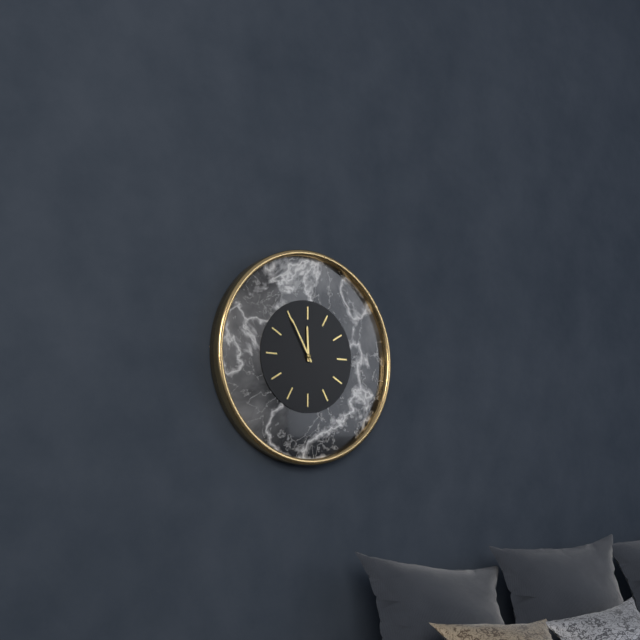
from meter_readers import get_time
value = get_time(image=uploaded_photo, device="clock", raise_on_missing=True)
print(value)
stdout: 11:55
